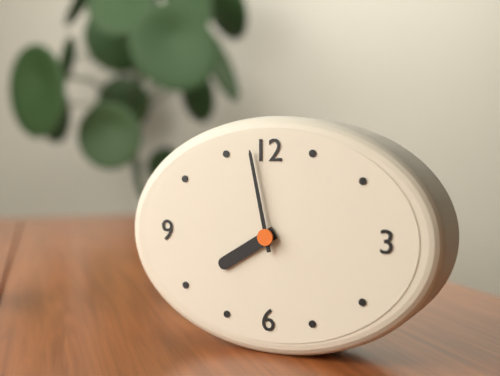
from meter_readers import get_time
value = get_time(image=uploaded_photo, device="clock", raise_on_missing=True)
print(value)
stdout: 7:58
